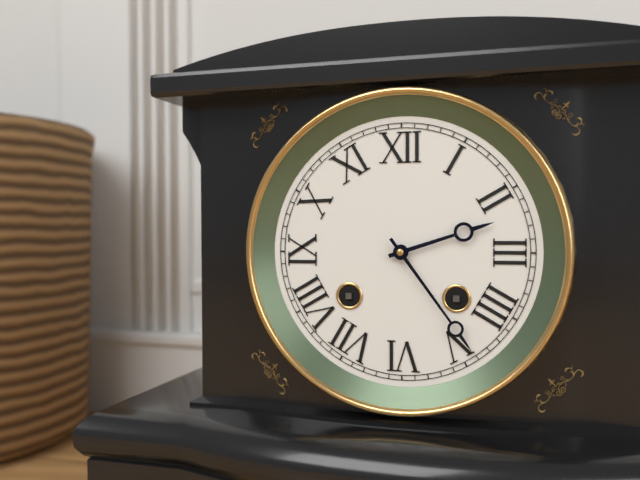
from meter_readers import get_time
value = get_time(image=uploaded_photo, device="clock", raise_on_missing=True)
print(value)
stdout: 2:24
